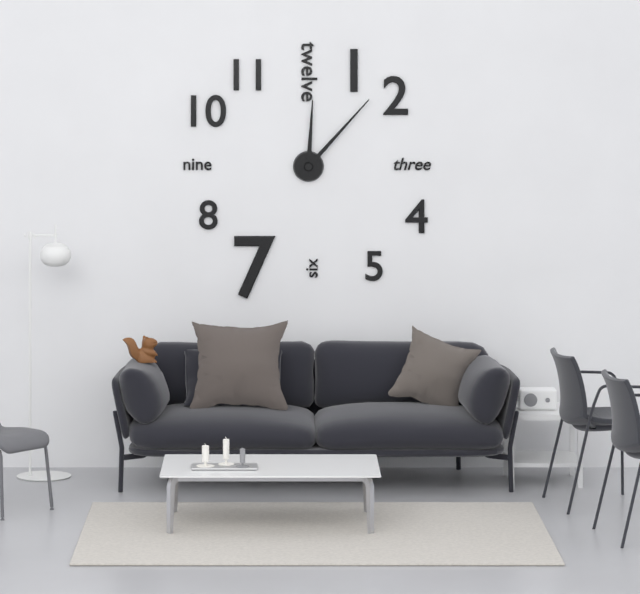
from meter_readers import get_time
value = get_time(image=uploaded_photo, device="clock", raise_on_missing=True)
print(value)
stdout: 12:07
